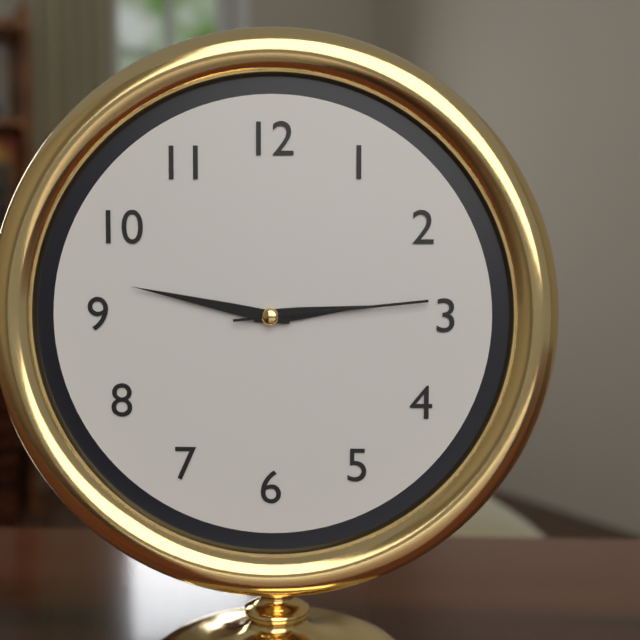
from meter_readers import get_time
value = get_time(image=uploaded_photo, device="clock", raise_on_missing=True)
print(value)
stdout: 2:47:14
